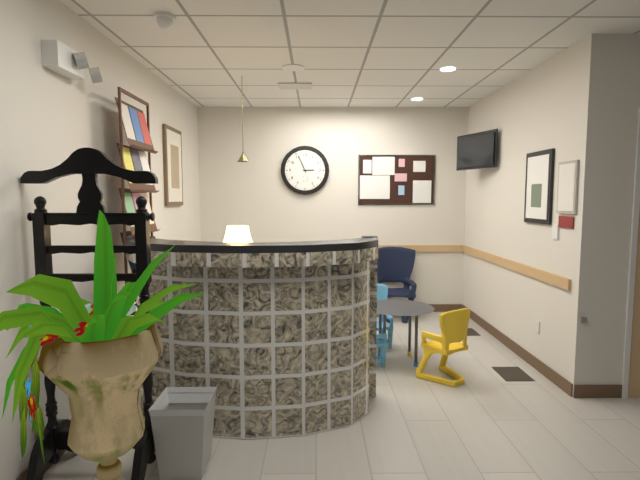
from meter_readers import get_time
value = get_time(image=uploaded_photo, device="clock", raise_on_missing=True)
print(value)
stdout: 2:56
